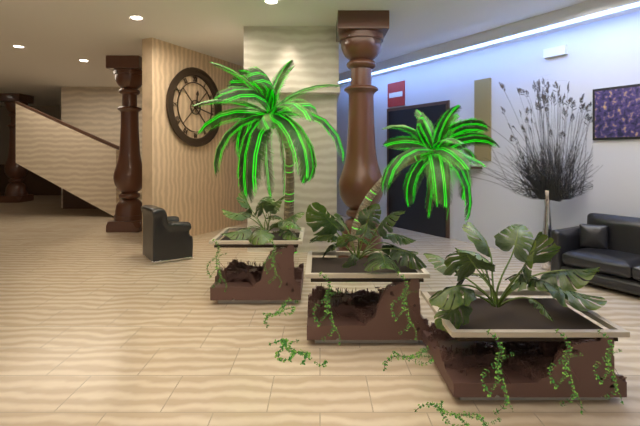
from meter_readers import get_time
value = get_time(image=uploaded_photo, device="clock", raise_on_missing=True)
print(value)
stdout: 12:17
